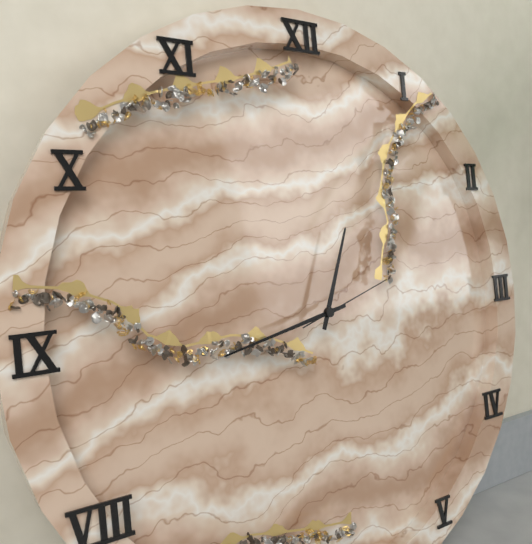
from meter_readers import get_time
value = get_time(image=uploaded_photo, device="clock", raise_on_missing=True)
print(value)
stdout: 12:43:12
